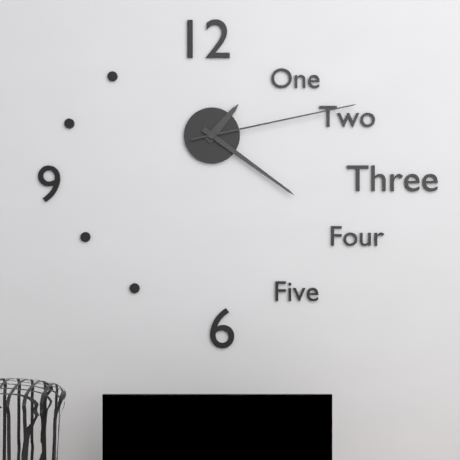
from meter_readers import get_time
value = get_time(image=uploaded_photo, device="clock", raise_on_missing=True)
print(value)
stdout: 1:21:13
